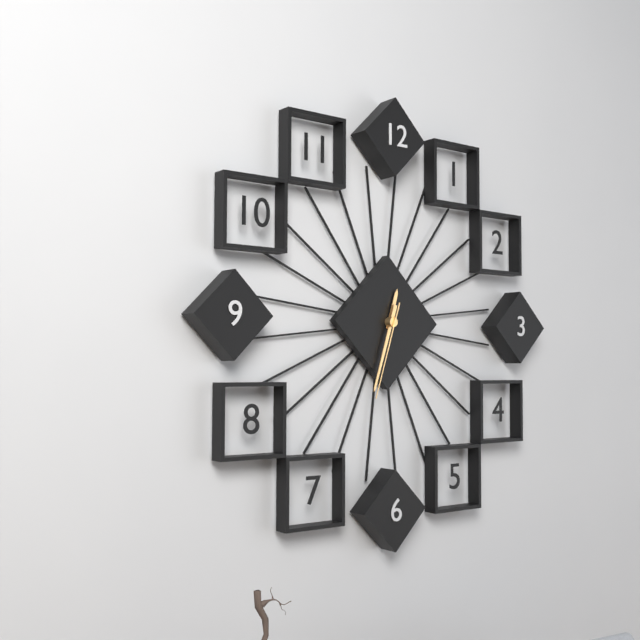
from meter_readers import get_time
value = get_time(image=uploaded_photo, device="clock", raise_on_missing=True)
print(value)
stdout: 12:33:33
